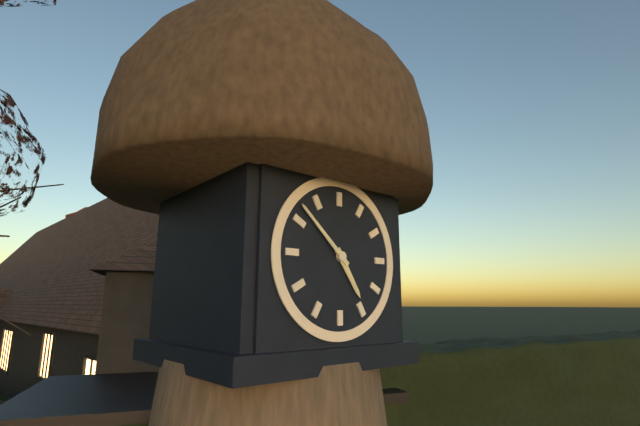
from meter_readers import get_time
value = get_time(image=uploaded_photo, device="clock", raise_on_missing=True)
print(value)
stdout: 4:52
